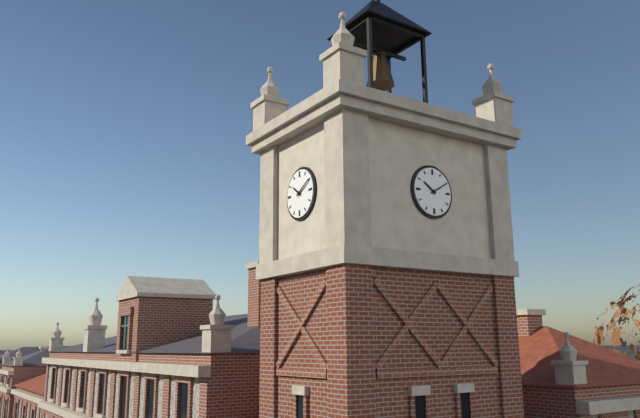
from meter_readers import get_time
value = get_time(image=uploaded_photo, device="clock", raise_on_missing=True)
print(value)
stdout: 10:10
